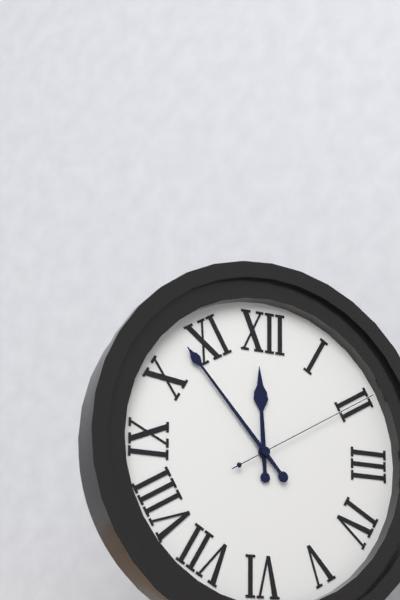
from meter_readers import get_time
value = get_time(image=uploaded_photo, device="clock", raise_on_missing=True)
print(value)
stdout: 11:53:10
